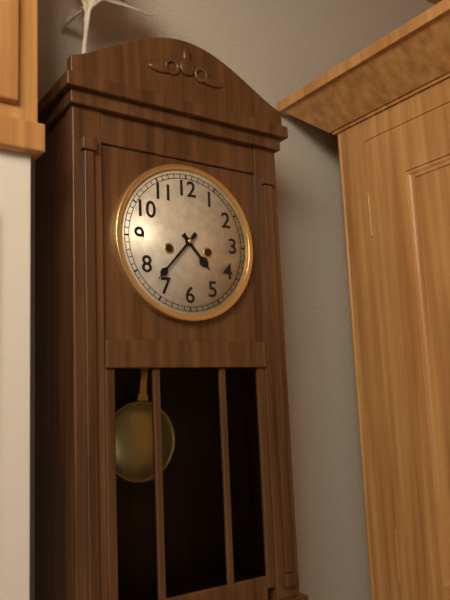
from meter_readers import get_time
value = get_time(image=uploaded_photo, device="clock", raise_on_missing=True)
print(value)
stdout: 4:37
